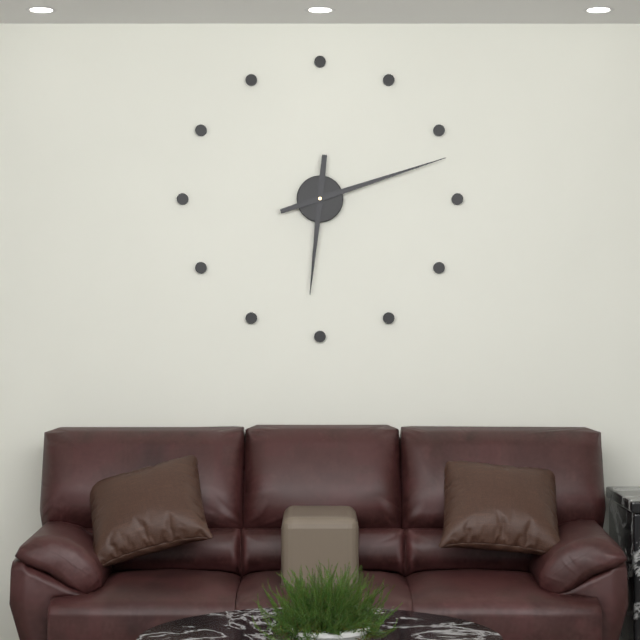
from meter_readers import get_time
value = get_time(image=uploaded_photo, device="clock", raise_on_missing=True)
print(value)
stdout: 6:12
